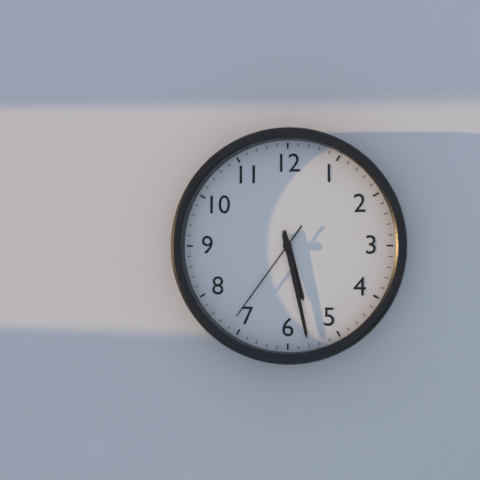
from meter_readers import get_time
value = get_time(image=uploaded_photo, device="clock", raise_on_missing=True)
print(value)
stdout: 5:28:36
